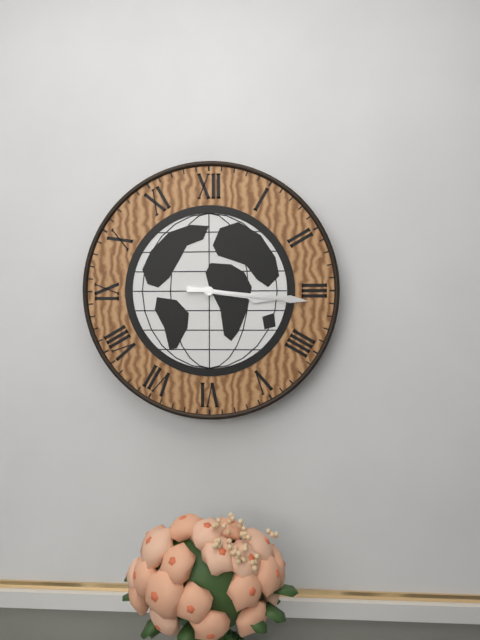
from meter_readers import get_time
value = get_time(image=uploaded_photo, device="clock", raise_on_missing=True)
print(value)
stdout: 3:16
